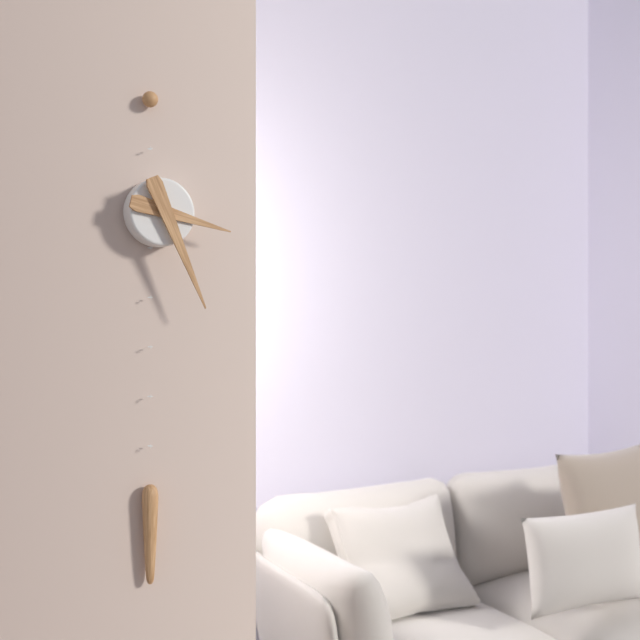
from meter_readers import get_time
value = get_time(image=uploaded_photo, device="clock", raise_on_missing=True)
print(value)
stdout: 3:26
